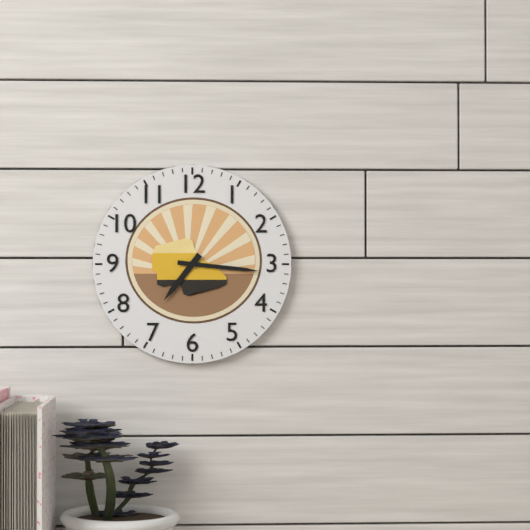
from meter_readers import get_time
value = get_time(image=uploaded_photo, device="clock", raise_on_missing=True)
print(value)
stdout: 7:16
